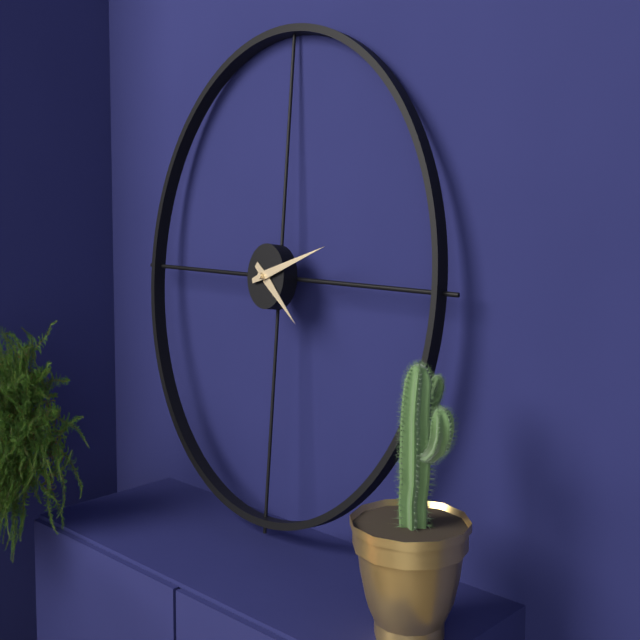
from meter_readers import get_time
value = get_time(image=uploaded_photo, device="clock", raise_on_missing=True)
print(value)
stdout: 4:12
